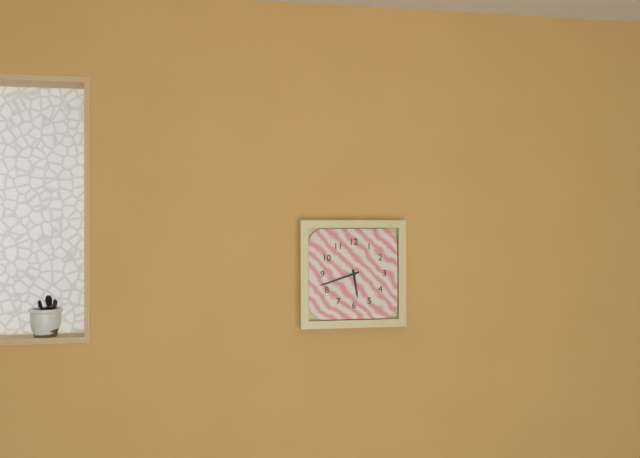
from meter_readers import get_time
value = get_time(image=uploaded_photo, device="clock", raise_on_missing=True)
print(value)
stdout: 5:42
